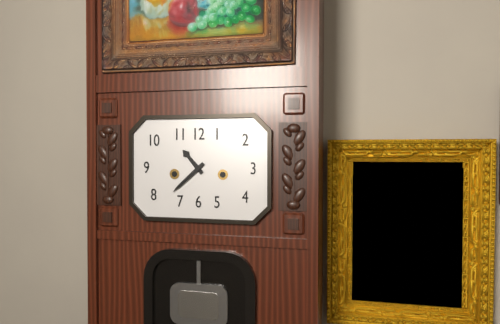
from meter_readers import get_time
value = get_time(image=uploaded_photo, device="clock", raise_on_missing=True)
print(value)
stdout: 10:38
